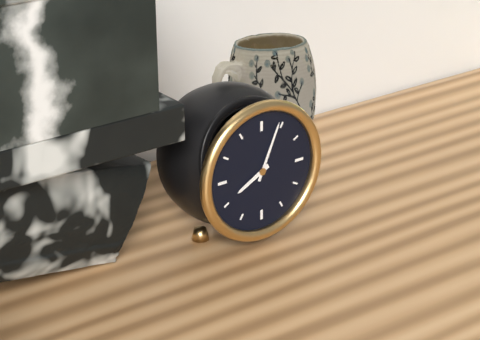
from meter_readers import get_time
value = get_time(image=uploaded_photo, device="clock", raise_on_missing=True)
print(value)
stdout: 8:04
